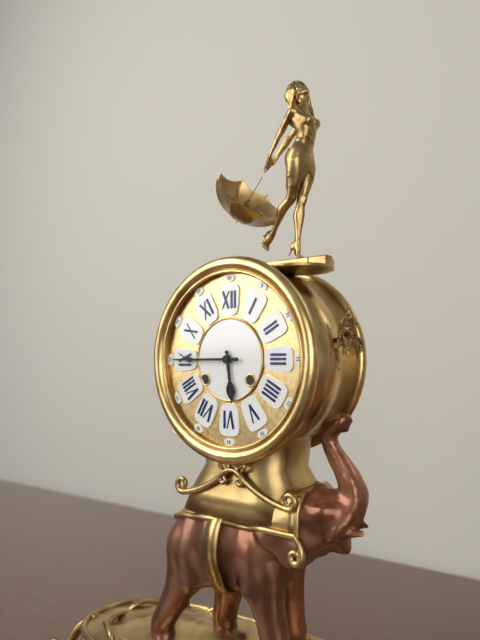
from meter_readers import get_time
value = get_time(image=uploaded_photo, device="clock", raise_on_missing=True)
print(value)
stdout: 5:45
